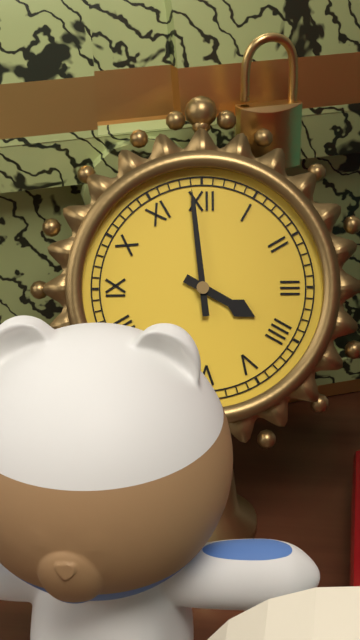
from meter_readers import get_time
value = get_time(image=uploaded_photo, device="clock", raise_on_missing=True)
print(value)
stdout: 3:59
